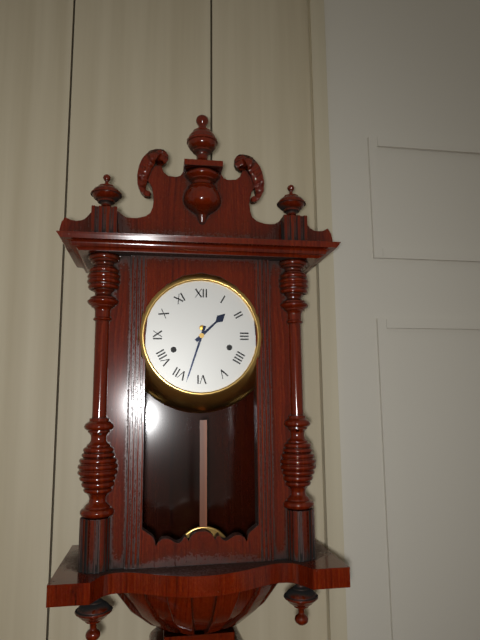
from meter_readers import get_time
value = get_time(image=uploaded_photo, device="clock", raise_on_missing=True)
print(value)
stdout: 1:33
